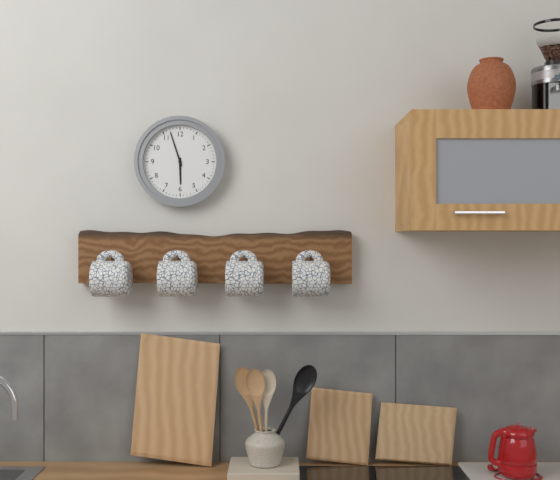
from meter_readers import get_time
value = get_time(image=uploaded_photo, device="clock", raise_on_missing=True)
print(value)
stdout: 5:57
